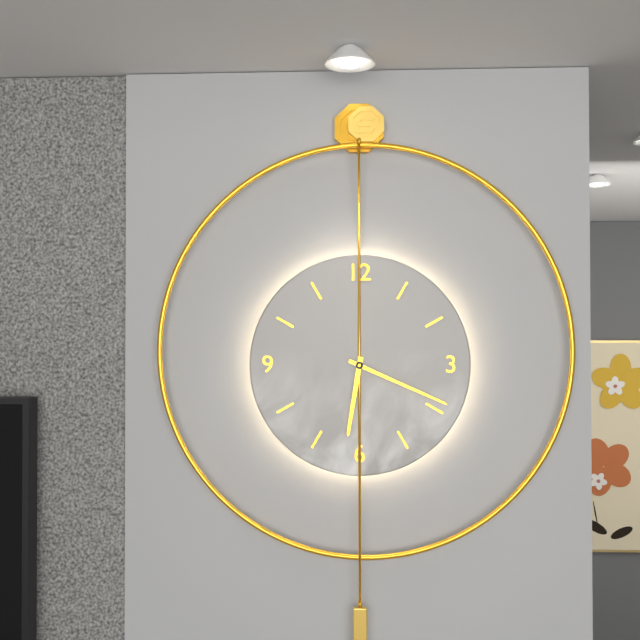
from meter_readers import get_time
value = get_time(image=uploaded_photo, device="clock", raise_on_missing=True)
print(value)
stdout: 6:19
